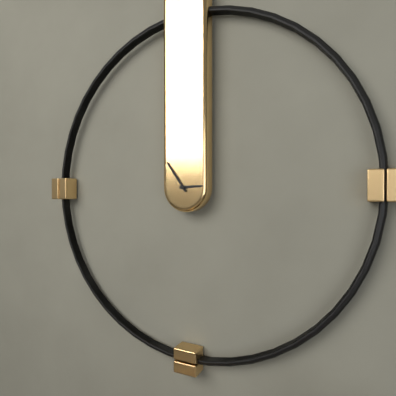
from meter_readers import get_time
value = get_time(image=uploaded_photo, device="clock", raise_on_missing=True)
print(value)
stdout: 2:54
